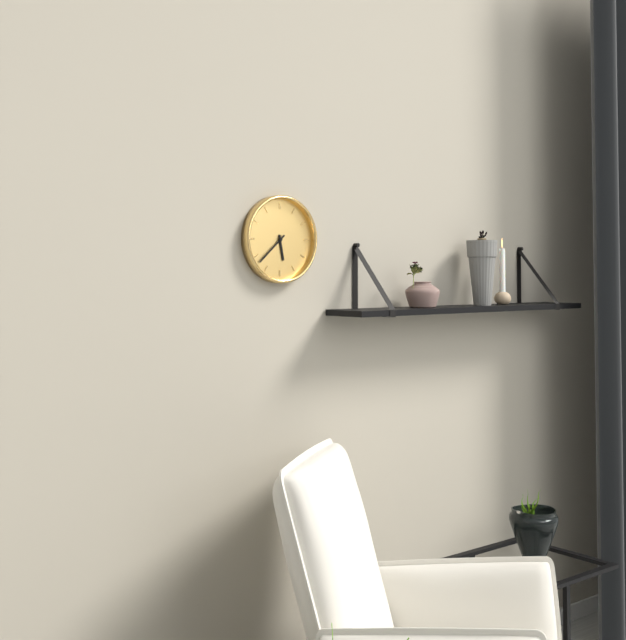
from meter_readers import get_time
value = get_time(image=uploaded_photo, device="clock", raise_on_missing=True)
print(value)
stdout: 5:38
